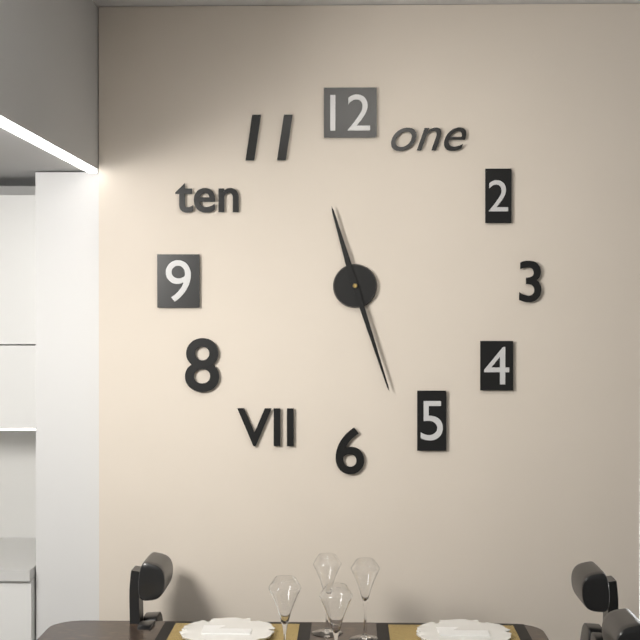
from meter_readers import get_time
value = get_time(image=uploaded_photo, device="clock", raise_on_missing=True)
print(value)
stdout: 11:27
